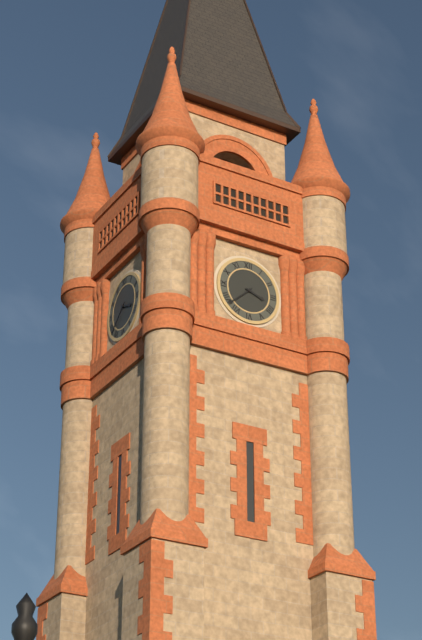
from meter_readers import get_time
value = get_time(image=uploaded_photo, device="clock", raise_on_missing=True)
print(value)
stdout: 3:38
